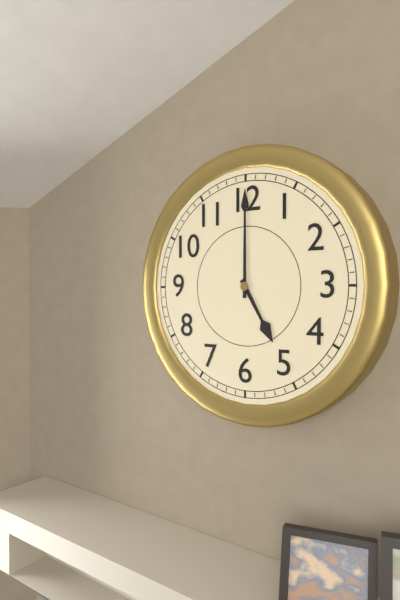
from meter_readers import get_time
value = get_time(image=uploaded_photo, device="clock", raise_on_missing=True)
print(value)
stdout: 5:00
